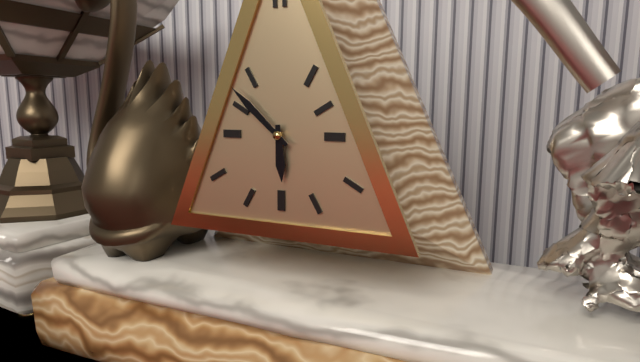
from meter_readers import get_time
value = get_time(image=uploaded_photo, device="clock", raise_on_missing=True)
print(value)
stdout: 5:52
